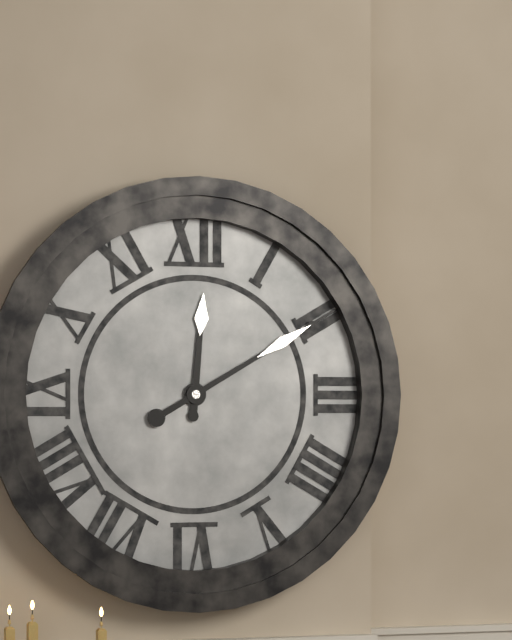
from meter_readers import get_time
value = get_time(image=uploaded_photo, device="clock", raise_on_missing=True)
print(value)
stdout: 12:10
